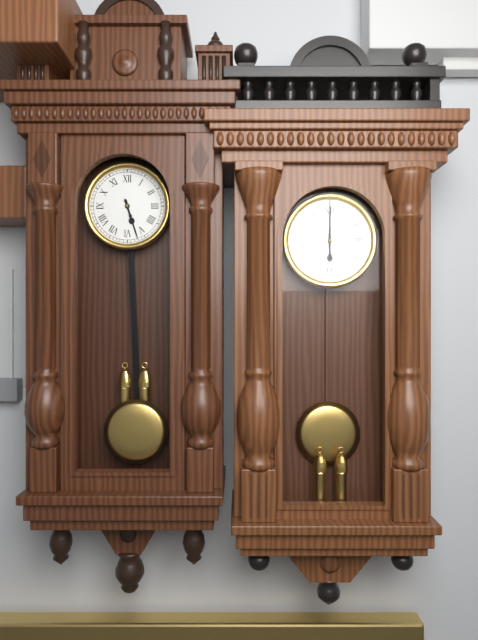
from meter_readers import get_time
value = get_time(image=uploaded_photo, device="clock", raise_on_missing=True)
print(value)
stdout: 5:27
